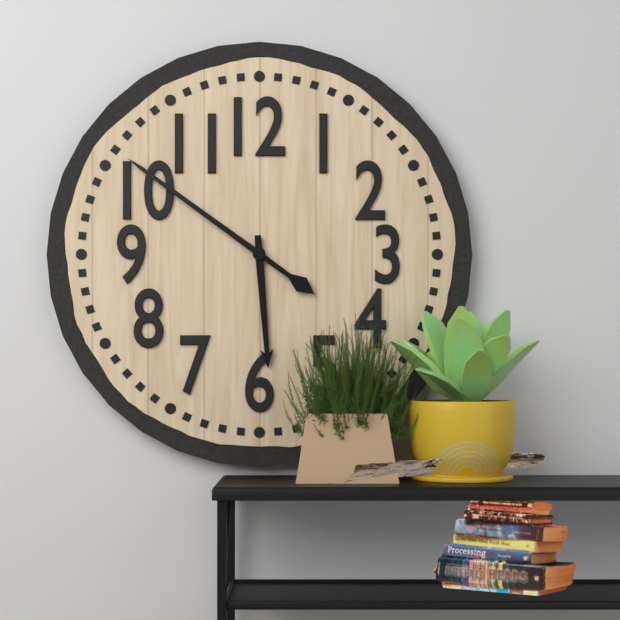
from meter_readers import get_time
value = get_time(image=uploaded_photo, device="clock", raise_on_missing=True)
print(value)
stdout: 5:51
